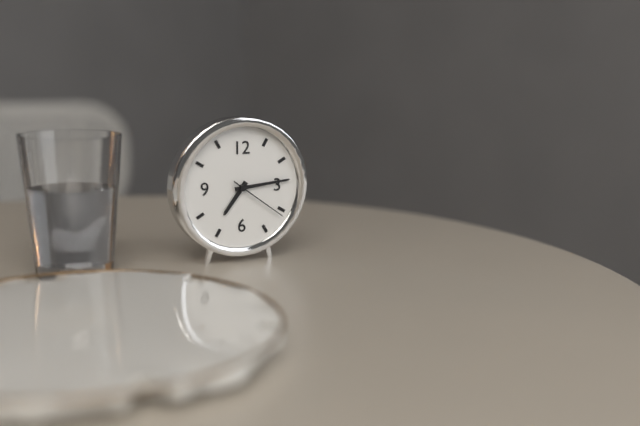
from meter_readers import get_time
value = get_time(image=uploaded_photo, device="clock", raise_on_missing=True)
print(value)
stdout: 7:14:21
